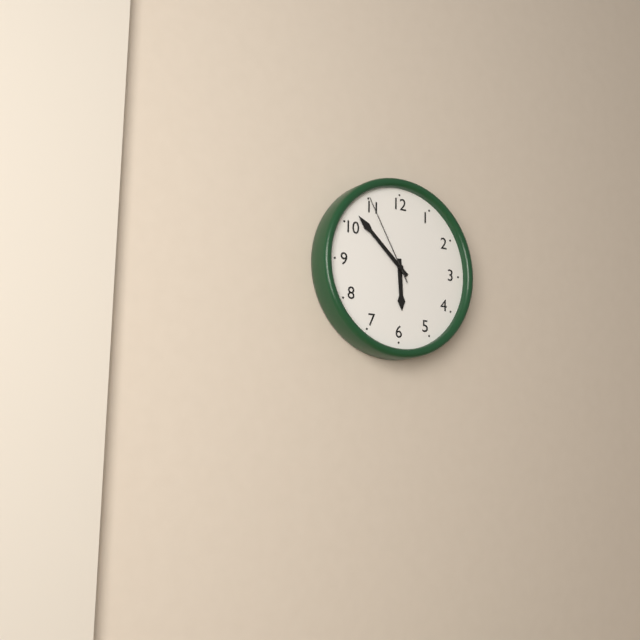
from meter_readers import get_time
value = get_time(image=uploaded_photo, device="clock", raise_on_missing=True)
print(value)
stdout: 5:52:55
